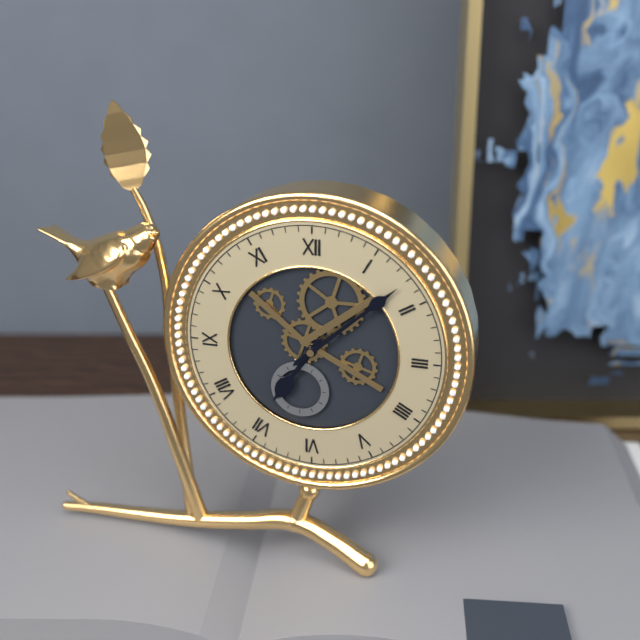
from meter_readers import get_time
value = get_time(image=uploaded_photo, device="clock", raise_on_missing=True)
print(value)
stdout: 7:08
